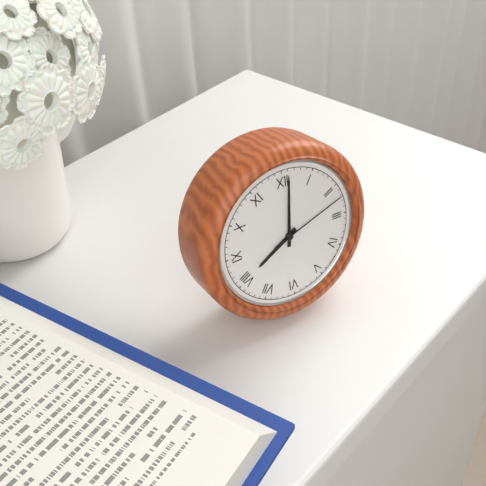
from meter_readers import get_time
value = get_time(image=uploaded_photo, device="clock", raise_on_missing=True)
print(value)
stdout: 8:01:12
